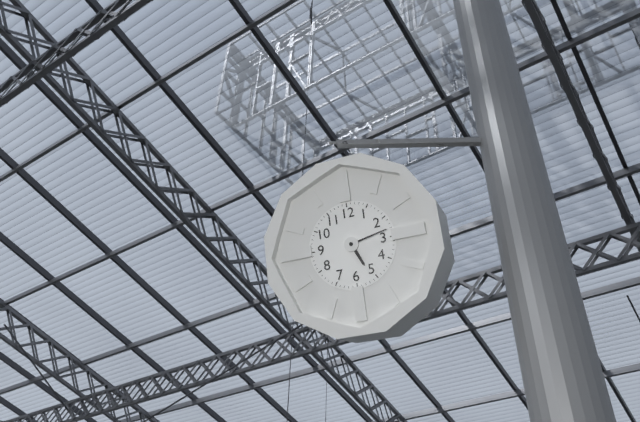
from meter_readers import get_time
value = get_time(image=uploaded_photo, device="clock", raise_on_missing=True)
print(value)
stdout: 5:13
